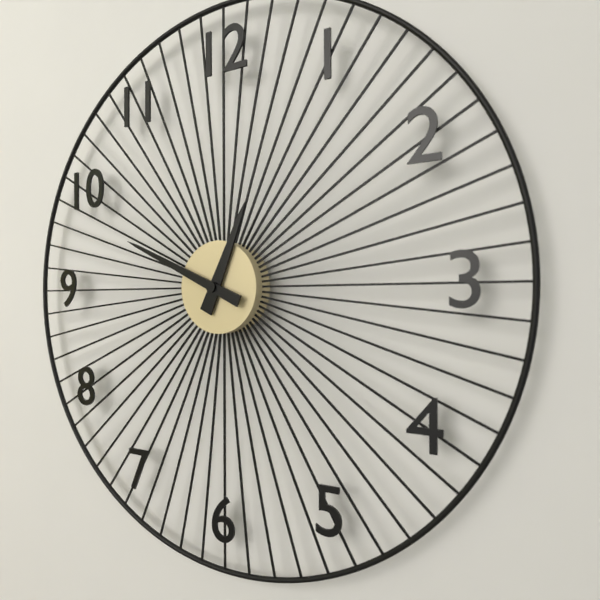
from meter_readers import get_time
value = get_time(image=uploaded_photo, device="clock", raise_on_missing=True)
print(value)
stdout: 12:49
